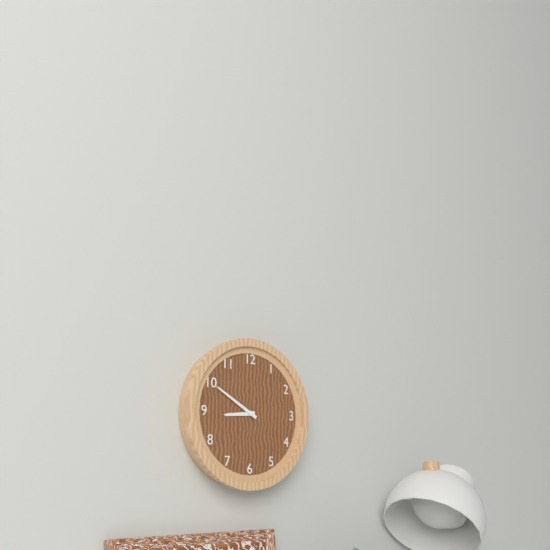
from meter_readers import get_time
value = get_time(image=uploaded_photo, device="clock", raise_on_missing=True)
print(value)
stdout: 8:50
